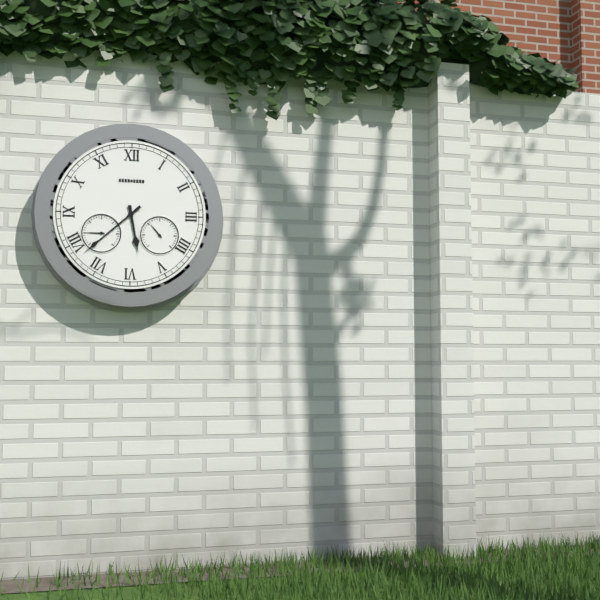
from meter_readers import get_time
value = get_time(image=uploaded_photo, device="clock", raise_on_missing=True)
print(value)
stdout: 5:38
